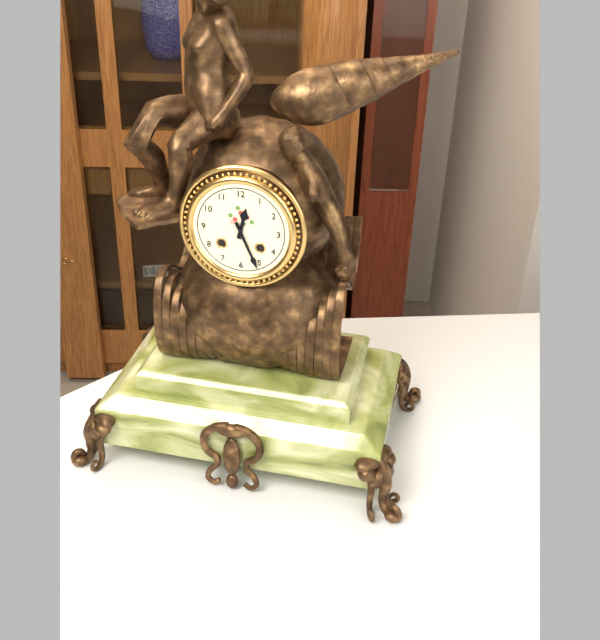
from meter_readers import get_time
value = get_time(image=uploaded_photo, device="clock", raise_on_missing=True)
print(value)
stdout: 12:26
